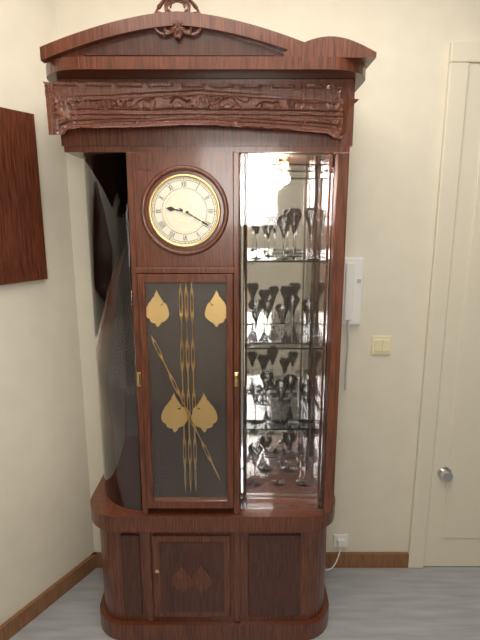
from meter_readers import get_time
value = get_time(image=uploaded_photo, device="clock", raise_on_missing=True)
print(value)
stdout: 9:20
